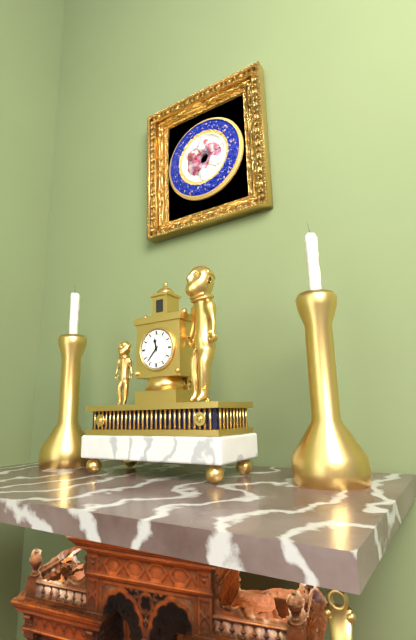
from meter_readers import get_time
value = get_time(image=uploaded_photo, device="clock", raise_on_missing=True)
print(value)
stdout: 11:37
